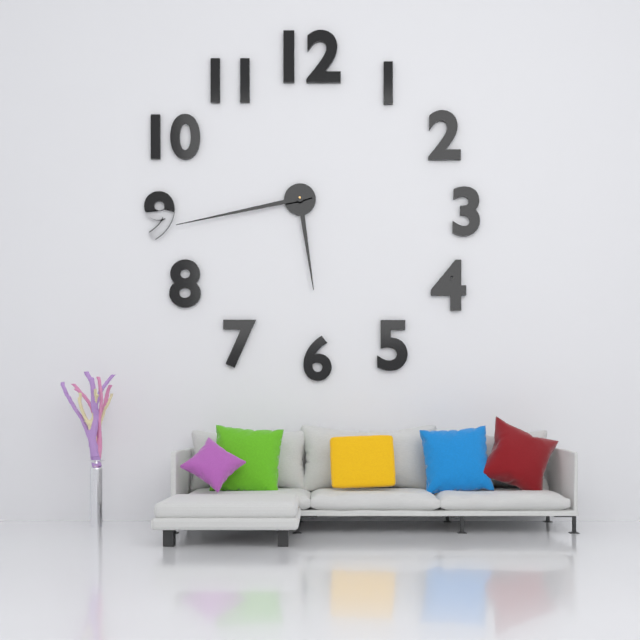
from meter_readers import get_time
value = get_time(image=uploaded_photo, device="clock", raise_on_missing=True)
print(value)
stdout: 5:43
